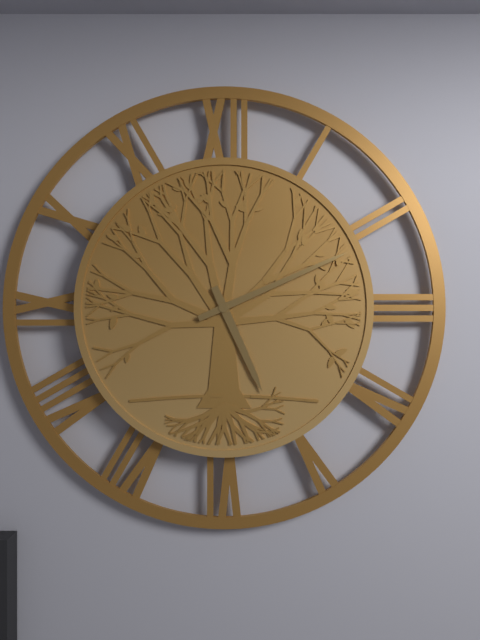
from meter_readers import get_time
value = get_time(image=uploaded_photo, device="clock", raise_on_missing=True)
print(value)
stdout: 5:11
